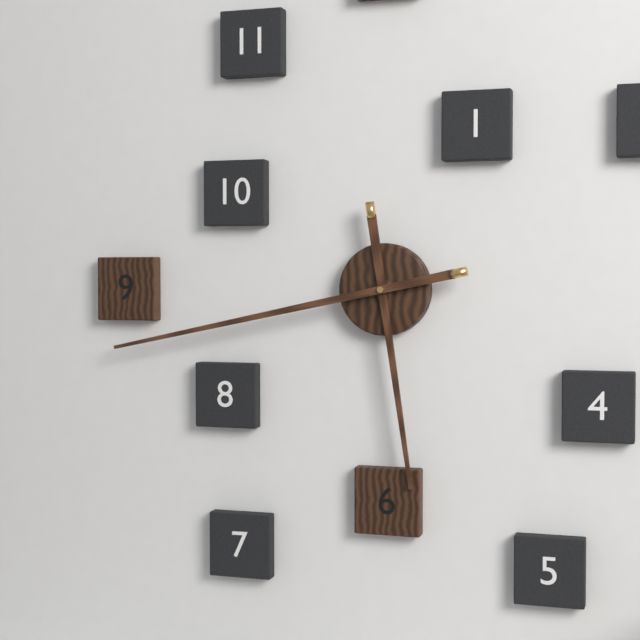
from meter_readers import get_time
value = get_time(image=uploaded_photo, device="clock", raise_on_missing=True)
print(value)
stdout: 5:43
